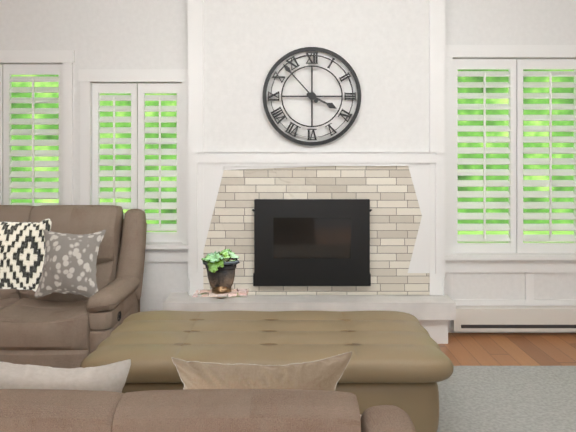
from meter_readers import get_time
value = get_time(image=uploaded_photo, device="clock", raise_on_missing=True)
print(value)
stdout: 3:53
